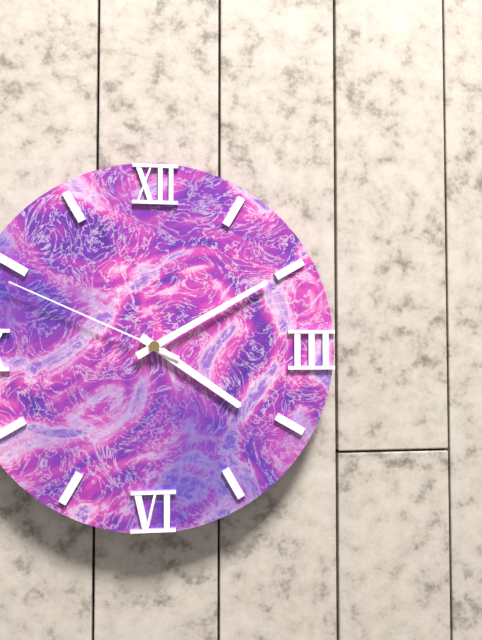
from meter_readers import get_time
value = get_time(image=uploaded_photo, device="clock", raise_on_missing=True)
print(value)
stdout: 4:10:49
